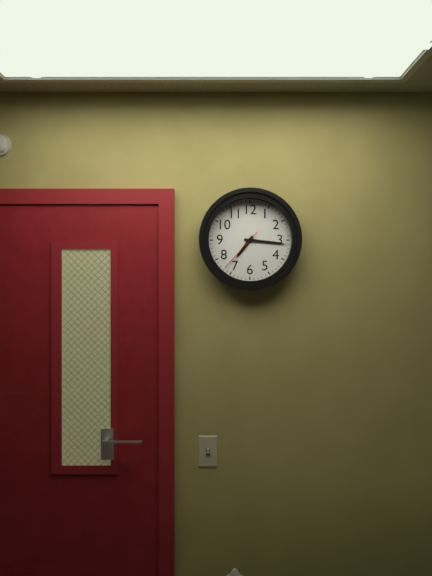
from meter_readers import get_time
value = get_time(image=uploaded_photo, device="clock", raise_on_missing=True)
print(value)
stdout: 7:16
